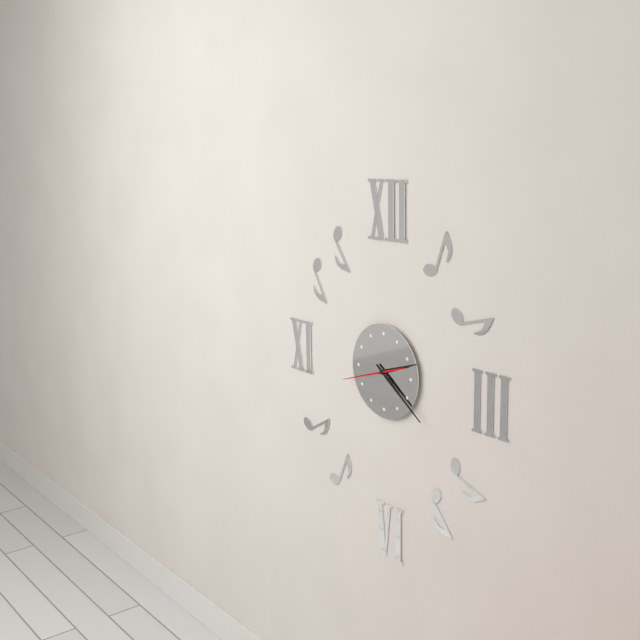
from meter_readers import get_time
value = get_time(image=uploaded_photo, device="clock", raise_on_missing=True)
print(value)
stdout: 2:21:42
